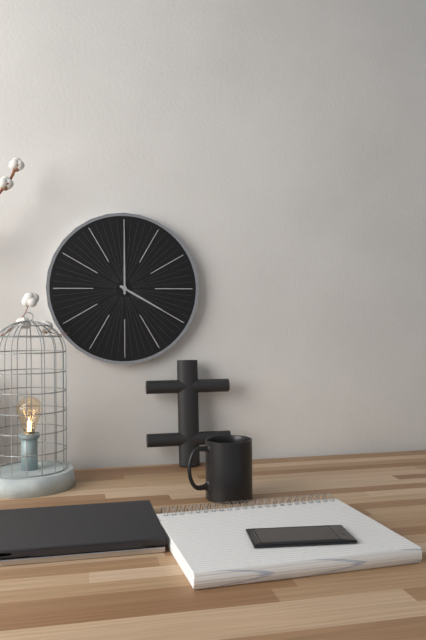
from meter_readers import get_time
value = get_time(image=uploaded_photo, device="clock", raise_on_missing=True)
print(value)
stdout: 4:00
